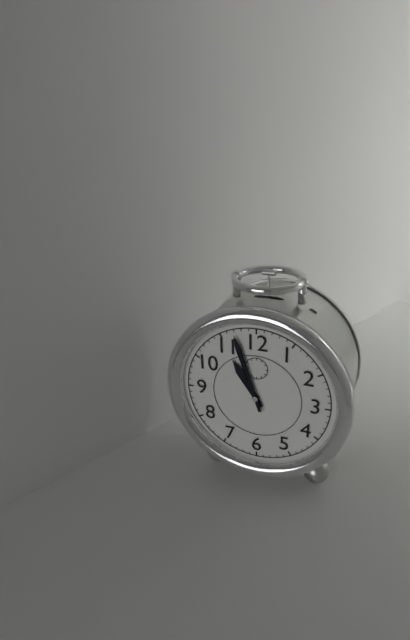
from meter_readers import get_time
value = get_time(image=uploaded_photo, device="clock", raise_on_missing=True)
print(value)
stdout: 10:57
